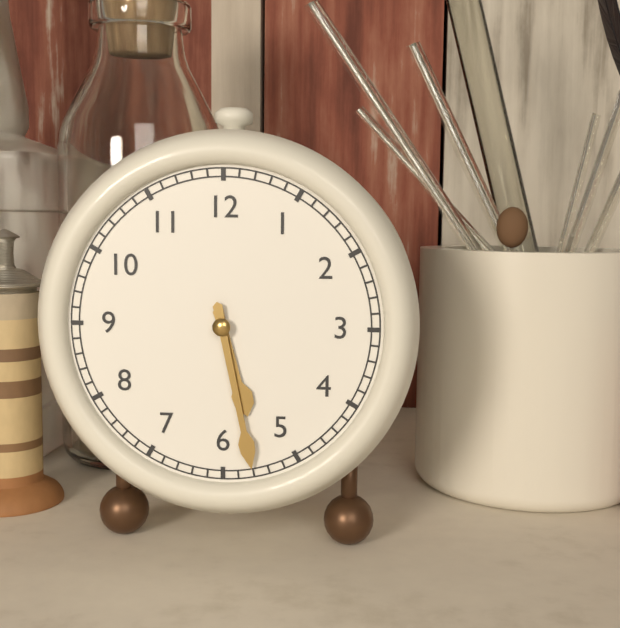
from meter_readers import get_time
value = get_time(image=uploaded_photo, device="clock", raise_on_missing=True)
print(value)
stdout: 5:28
